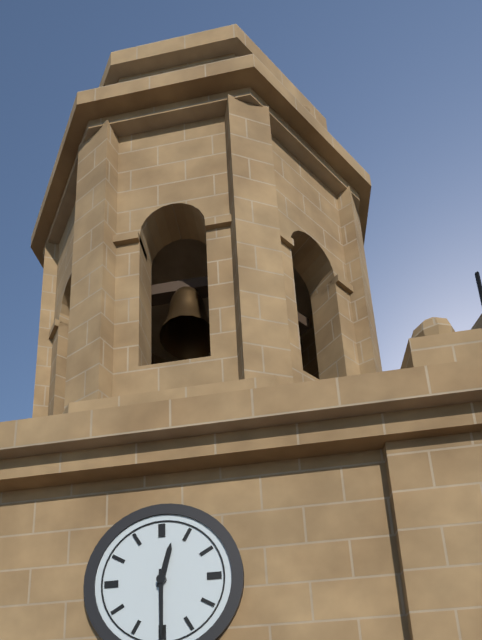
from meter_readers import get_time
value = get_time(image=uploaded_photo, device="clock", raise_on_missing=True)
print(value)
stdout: 12:30
